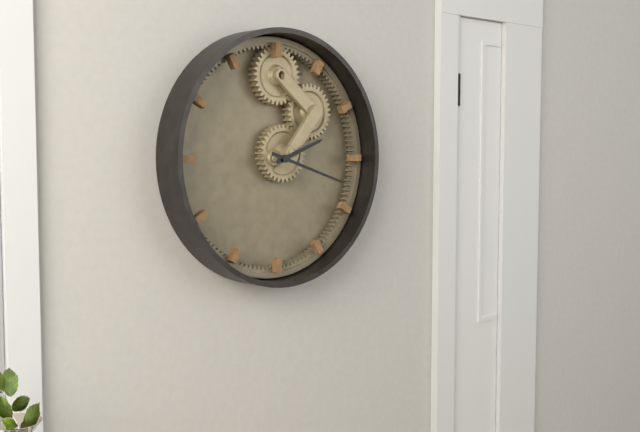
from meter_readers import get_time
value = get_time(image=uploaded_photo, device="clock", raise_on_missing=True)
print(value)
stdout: 2:18
